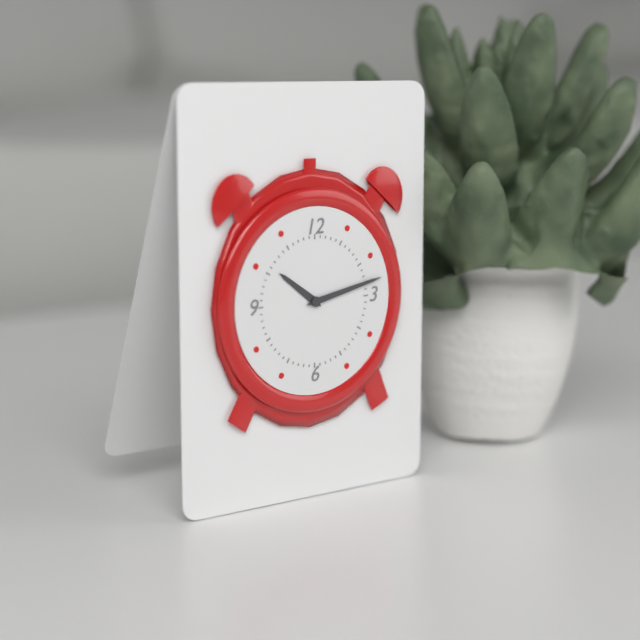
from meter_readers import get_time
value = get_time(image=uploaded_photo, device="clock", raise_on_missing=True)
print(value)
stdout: 10:13
